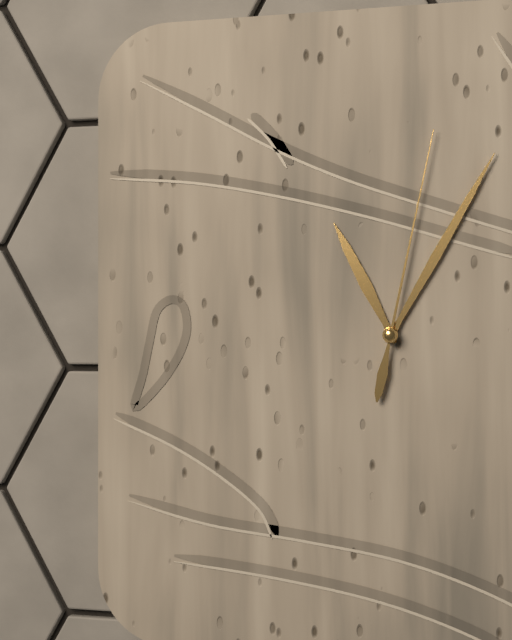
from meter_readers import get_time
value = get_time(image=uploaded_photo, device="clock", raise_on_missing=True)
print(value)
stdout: 11:05:02
